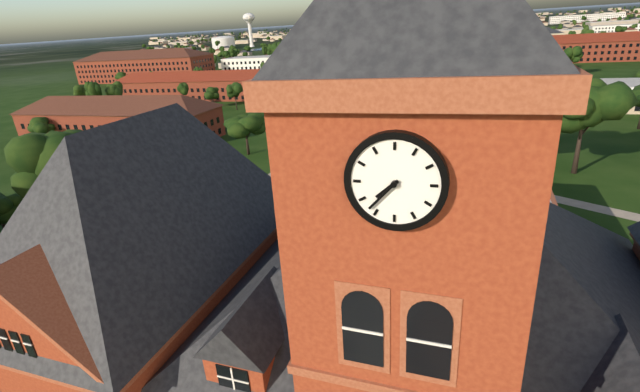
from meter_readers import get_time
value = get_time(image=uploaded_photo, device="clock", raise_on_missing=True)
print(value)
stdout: 7:37
